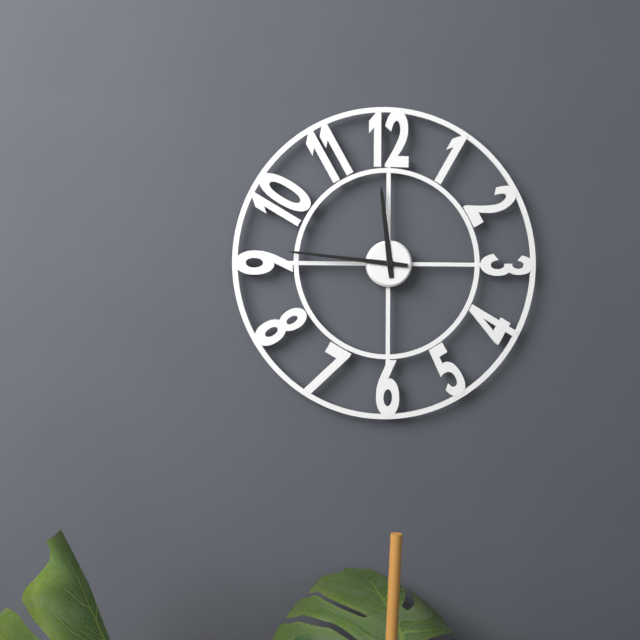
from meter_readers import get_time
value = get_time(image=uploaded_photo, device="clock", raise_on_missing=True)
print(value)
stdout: 11:46
